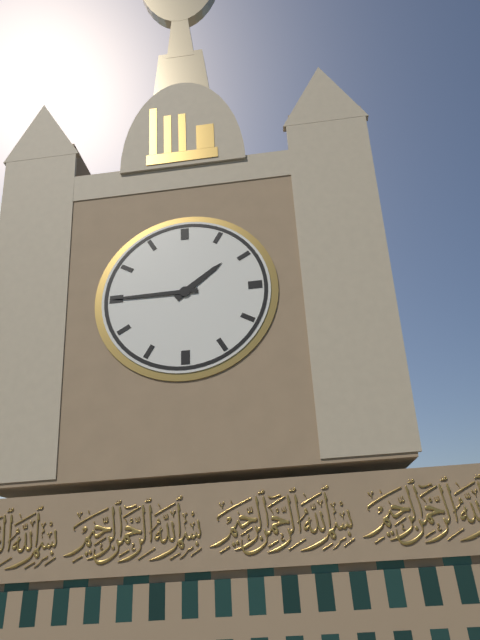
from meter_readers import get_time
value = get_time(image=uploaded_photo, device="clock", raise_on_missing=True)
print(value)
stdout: 1:45
